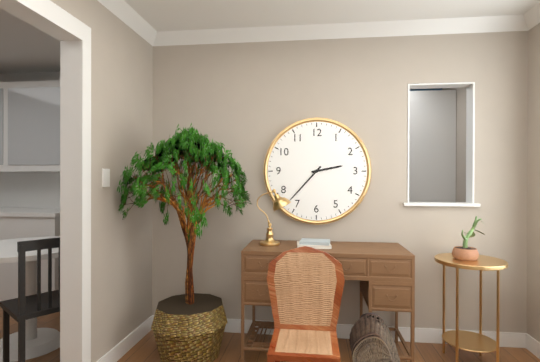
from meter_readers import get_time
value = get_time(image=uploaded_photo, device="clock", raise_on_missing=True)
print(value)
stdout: 2:37
